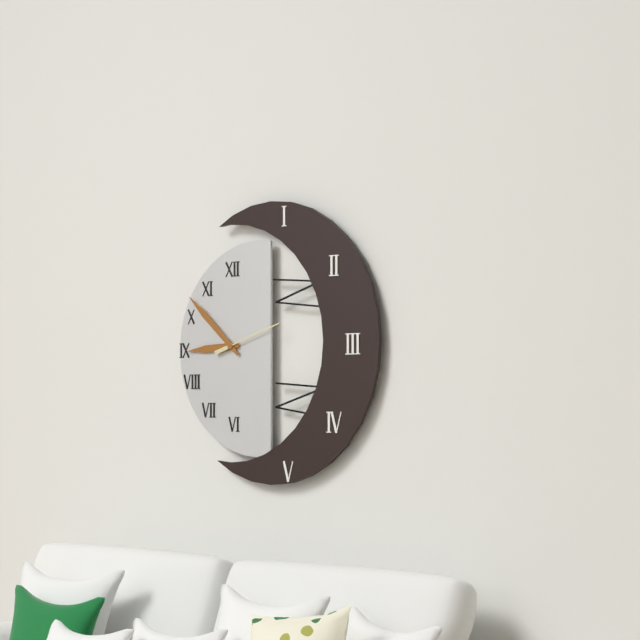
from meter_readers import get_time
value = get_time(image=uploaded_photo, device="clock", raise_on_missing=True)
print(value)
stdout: 8:52:12
